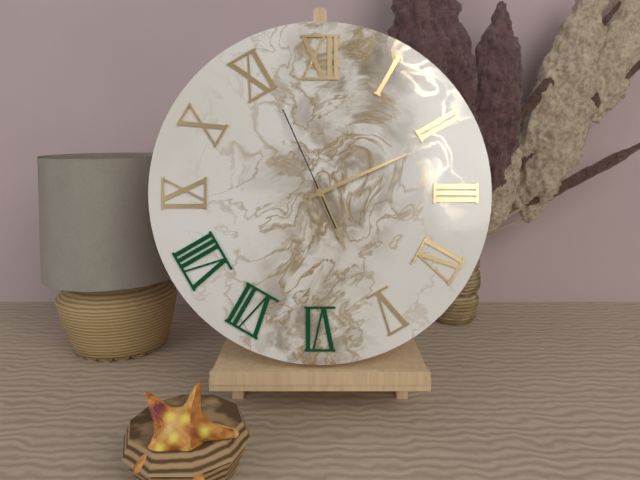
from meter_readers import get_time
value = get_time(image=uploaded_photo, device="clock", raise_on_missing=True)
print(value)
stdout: 5:11:56
